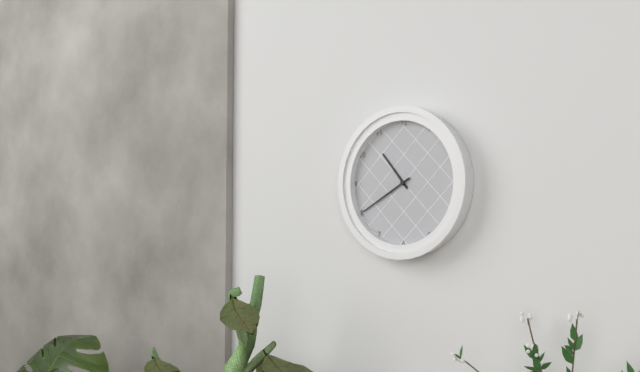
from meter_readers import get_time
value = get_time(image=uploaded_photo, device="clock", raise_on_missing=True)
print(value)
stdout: 10:40
